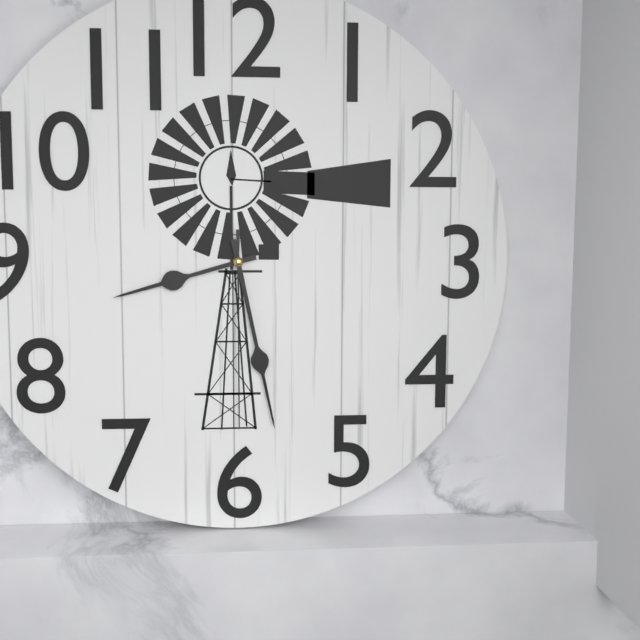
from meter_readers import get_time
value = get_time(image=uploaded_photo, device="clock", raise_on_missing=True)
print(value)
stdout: 8:28:30
